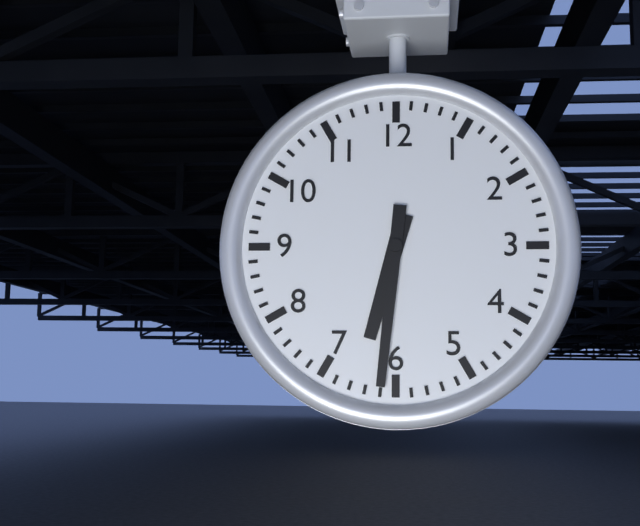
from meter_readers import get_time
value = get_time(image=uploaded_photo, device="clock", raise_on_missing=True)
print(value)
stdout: 6:31
